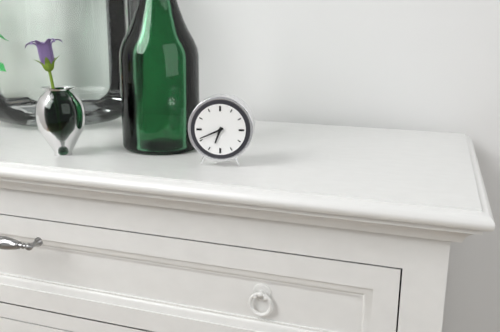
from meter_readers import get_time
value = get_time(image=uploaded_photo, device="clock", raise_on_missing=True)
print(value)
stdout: 6:41
